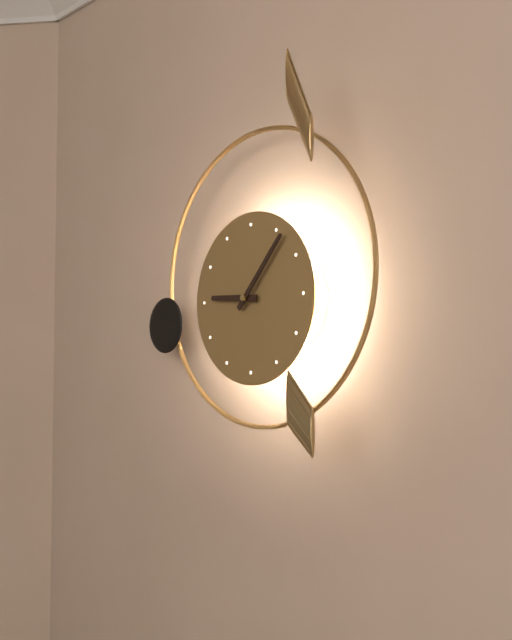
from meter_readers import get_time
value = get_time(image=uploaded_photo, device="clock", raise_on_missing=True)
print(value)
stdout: 9:07
